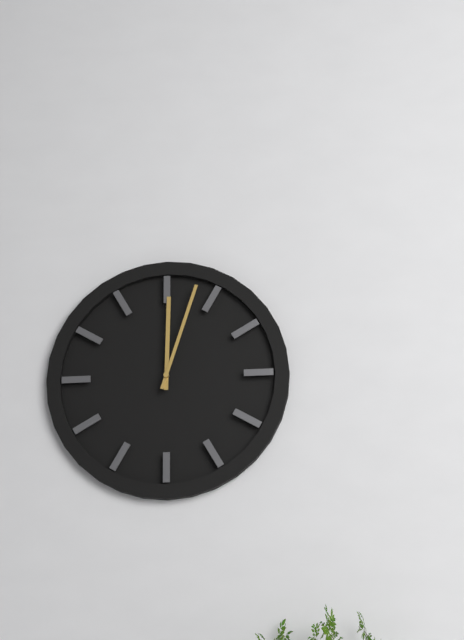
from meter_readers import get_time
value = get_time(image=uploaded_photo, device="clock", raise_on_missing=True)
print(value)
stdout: 12:03
